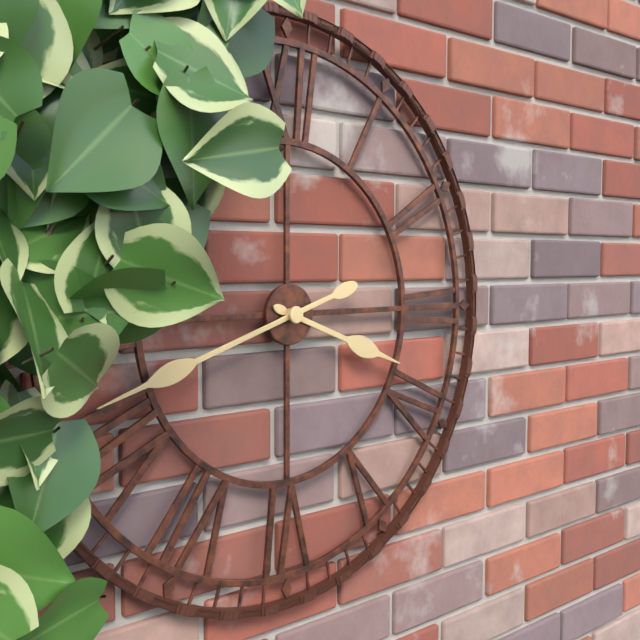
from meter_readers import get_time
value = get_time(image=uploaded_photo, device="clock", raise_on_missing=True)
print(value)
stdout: 3:42
